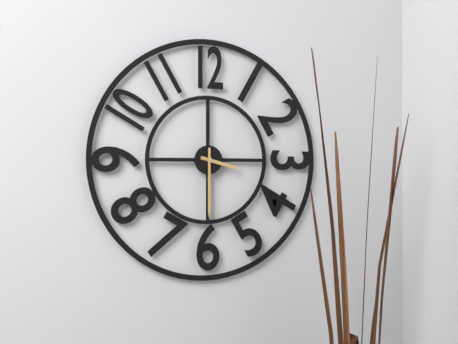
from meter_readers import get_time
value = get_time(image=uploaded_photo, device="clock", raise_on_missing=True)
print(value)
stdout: 3:30
